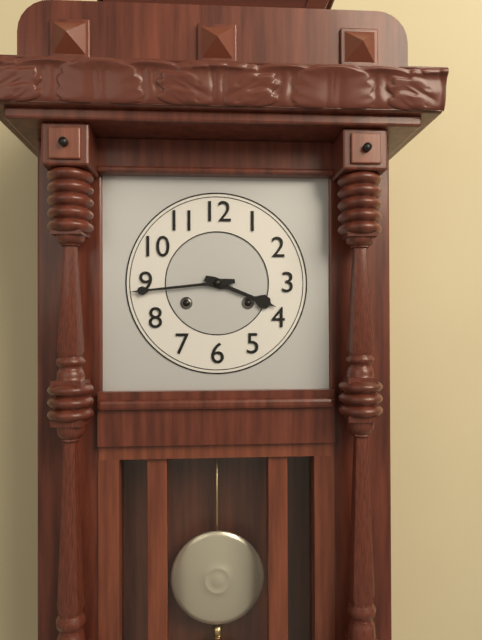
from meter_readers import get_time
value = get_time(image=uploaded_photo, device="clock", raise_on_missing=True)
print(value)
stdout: 3:44
